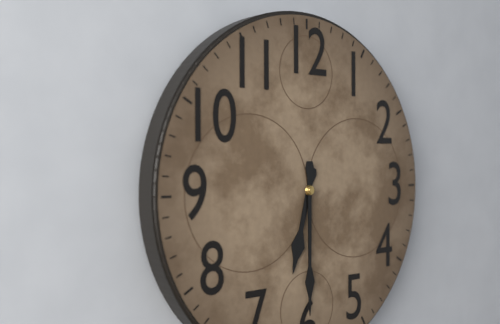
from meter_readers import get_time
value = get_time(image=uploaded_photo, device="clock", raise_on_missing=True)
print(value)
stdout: 6:30
